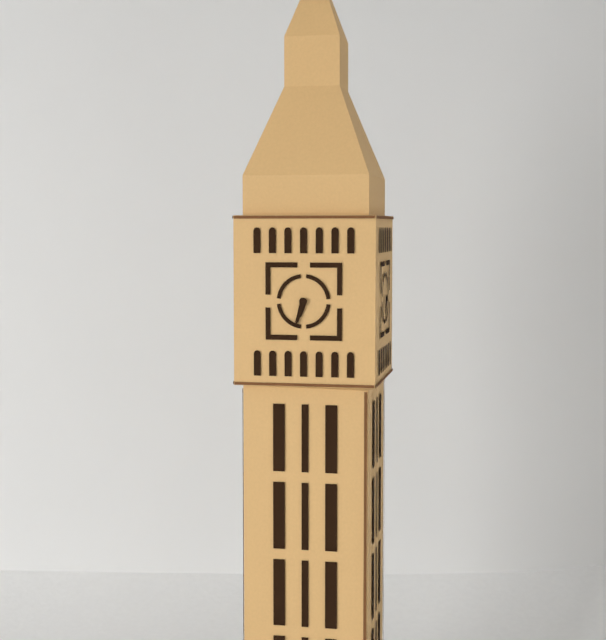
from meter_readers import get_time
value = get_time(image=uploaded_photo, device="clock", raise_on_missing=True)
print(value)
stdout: 6:33
